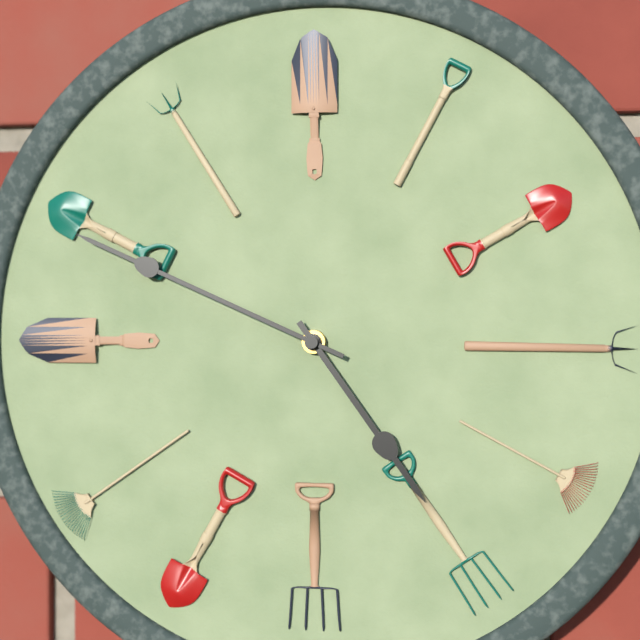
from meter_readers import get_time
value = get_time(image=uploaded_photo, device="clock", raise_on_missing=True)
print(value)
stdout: 4:49
